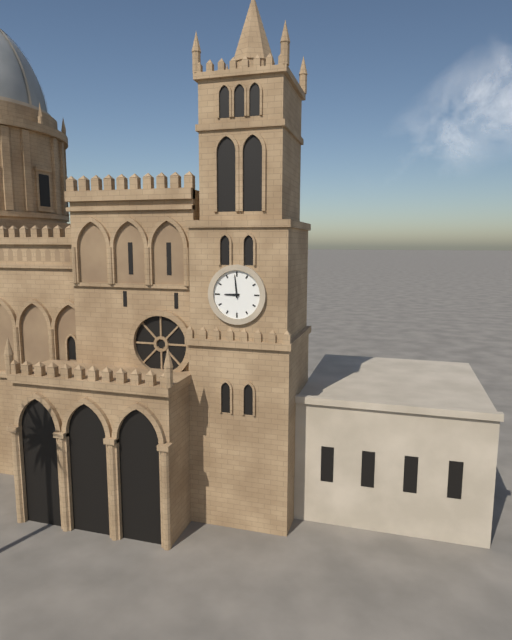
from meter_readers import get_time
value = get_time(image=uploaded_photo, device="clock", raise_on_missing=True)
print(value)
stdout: 8:59
